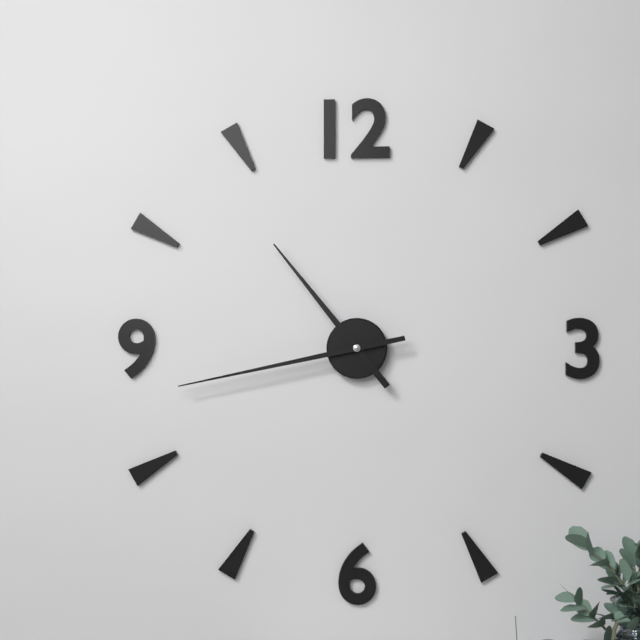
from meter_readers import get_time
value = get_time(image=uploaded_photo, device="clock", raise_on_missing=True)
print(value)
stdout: 10:43
